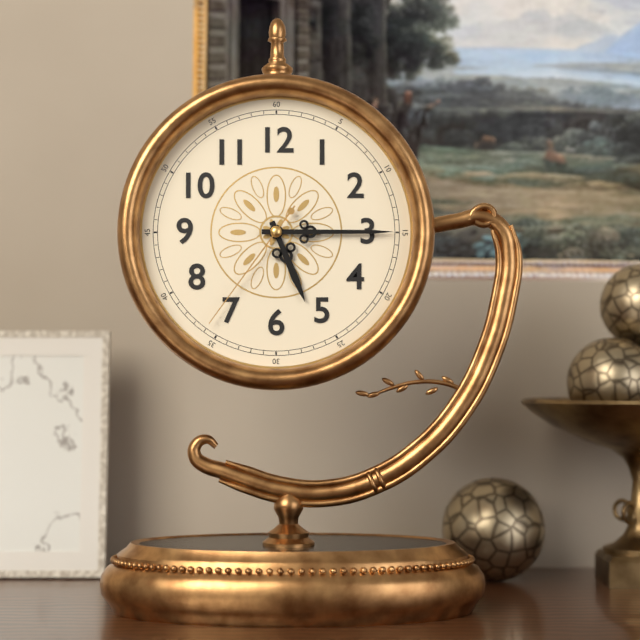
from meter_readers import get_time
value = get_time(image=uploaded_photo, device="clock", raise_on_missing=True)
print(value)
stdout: 5:15:36
